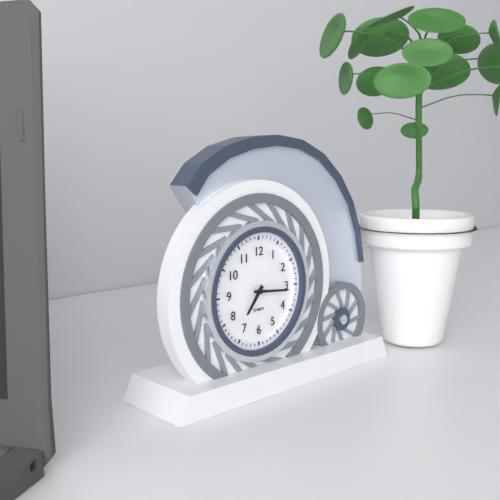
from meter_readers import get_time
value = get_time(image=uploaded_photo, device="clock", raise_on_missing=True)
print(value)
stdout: 7:16
